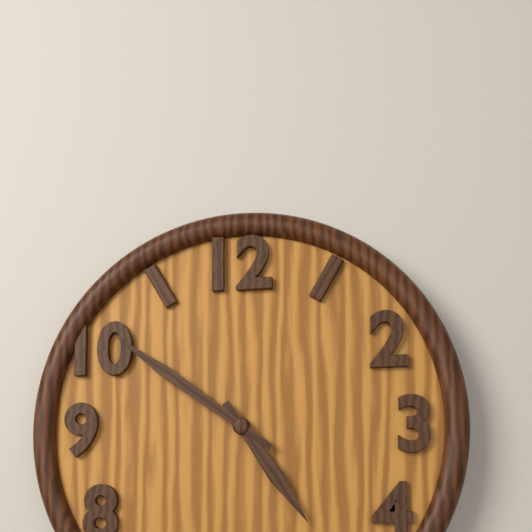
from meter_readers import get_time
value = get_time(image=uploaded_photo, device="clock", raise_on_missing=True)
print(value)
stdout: 4:51
